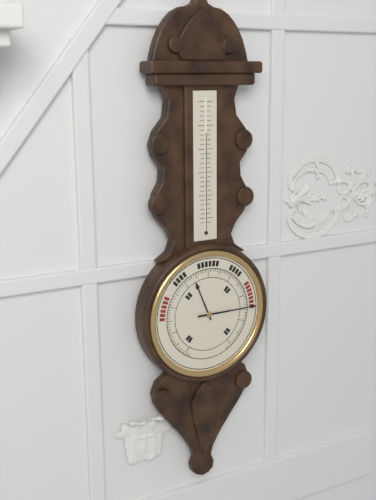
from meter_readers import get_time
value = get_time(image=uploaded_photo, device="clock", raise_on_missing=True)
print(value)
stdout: 11:15
